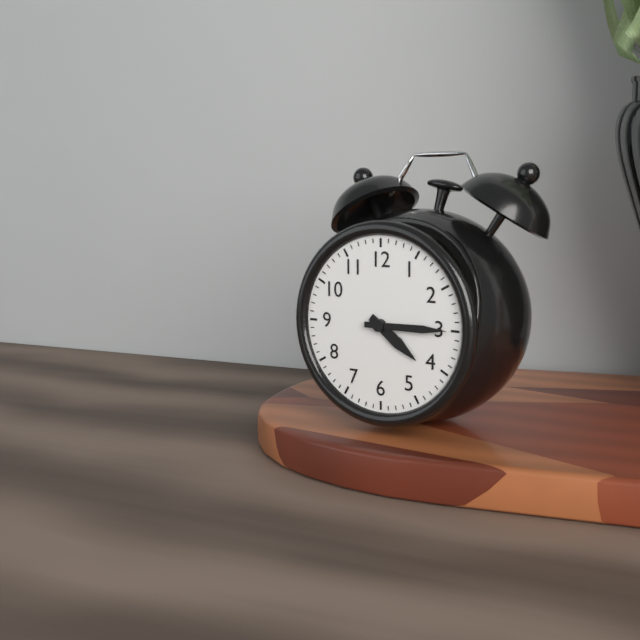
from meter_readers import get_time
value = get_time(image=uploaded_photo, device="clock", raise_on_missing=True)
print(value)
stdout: 4:15
